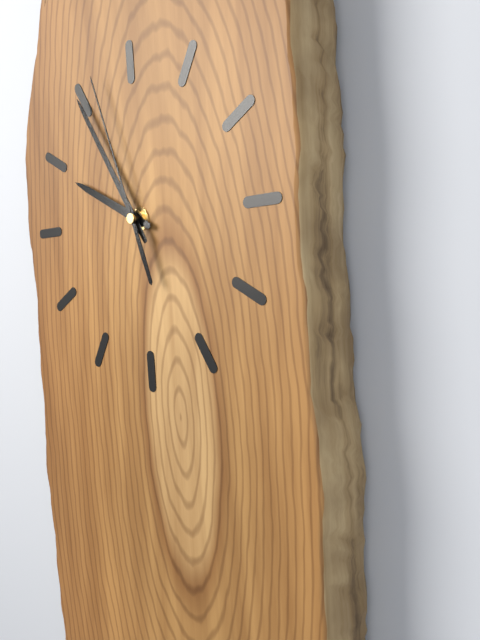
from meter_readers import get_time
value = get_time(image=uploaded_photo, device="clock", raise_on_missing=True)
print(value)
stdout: 9:55:57
